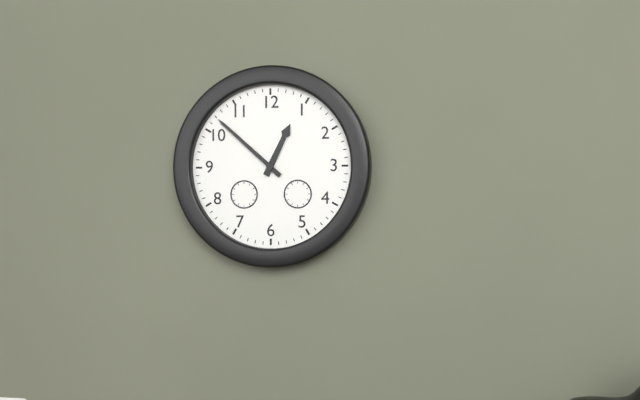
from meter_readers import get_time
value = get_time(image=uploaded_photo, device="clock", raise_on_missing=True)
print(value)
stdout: 12:52
